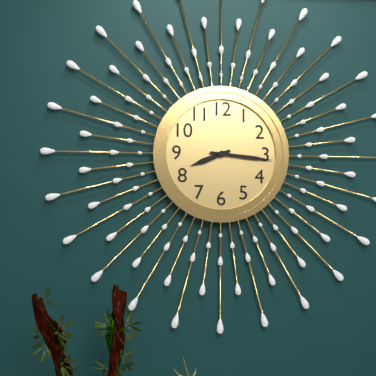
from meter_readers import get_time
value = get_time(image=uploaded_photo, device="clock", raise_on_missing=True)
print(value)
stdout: 8:16
